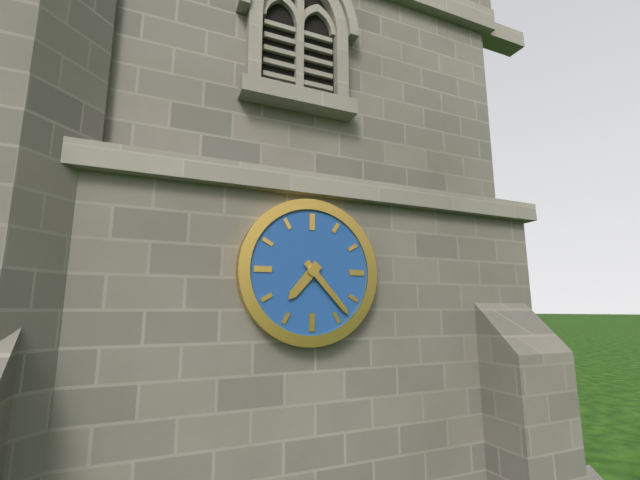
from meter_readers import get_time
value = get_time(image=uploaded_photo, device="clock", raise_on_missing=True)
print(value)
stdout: 7:23
